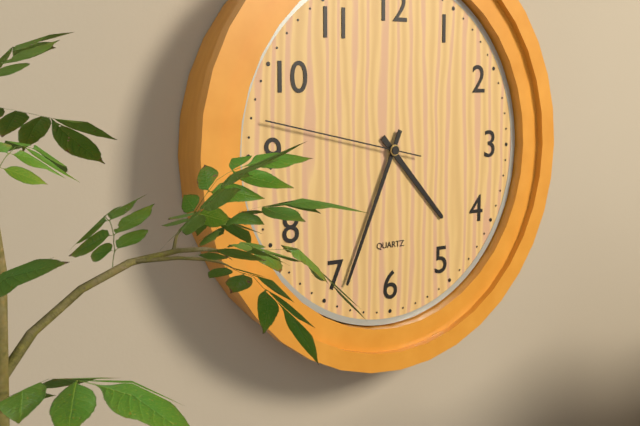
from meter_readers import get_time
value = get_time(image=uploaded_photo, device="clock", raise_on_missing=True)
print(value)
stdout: 4:34:47
